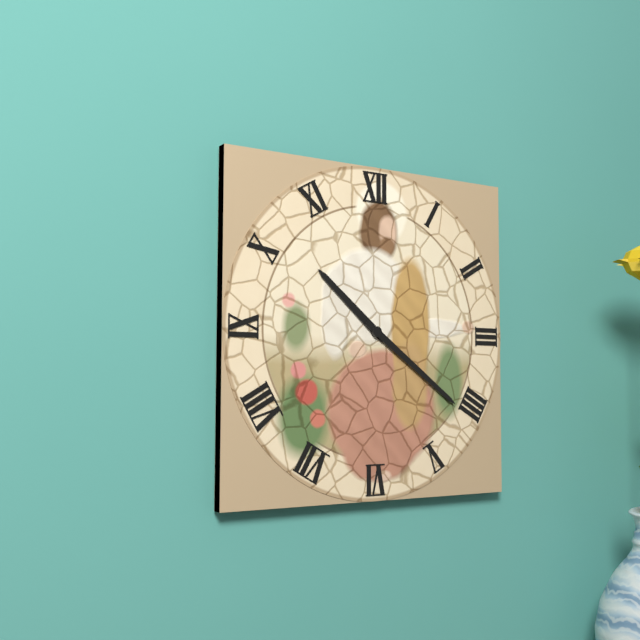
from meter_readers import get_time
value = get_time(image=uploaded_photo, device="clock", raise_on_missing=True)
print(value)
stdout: 10:21
